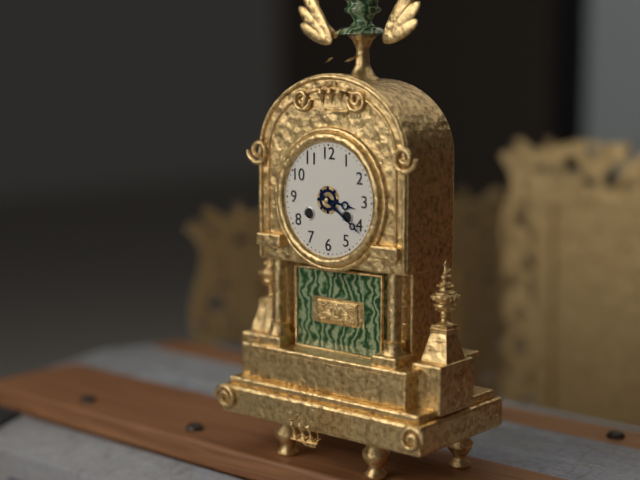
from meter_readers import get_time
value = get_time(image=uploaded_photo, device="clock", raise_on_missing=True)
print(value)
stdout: 3:21
